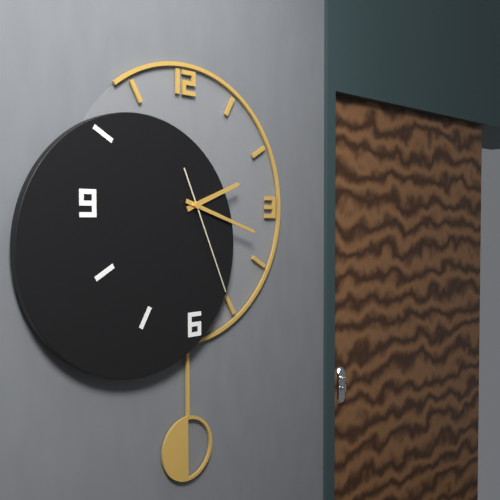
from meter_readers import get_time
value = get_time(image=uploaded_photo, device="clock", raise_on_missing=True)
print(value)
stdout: 2:18:26
